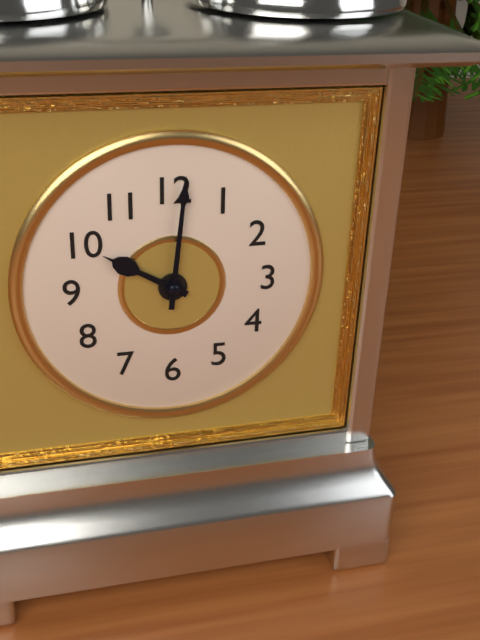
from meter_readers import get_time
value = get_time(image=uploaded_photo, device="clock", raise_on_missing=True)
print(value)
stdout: 10:01
